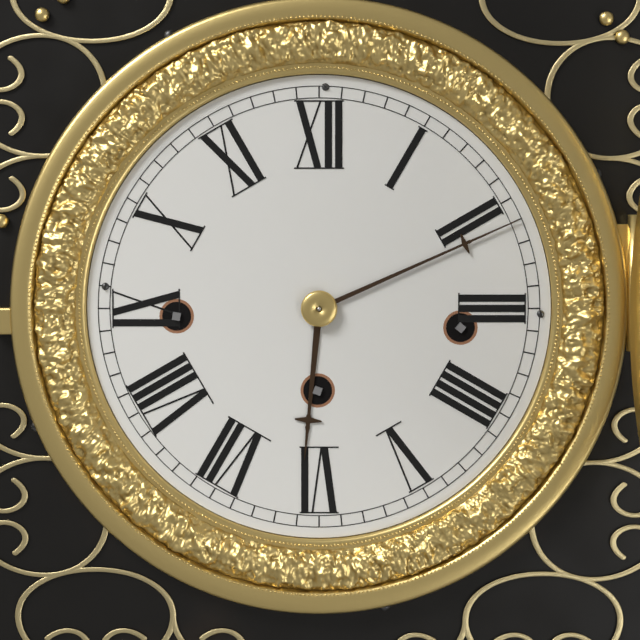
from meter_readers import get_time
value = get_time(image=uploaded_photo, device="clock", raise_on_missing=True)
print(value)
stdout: 6:11
